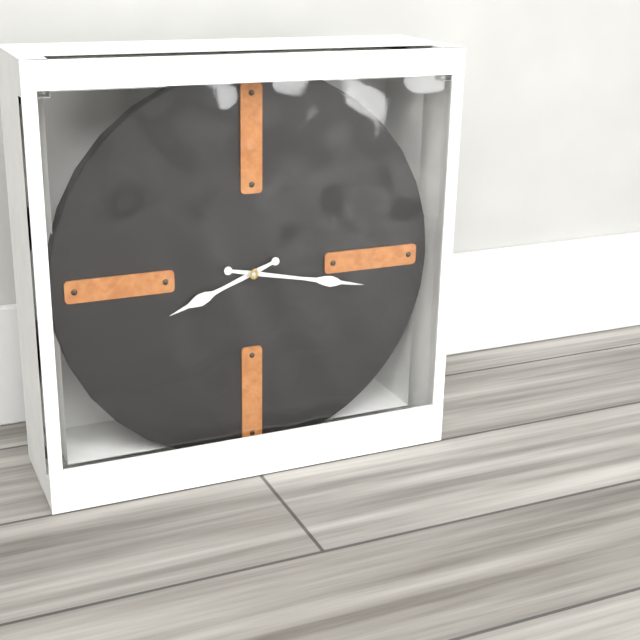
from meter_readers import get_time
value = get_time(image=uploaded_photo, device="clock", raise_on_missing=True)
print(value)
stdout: 8:17
